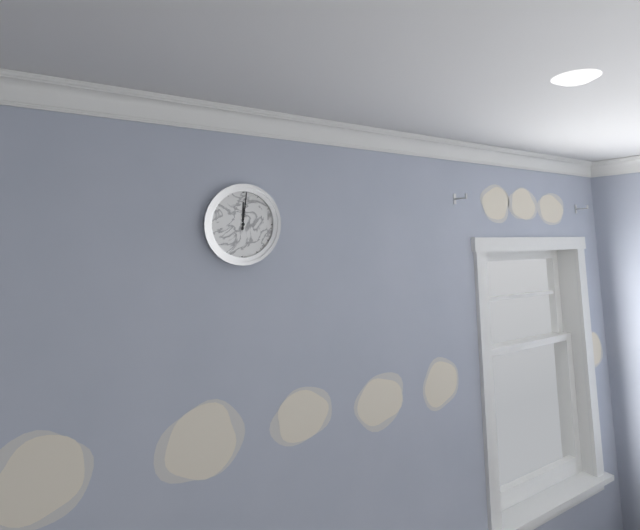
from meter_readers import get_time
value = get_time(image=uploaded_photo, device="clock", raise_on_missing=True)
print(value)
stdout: 12:01
